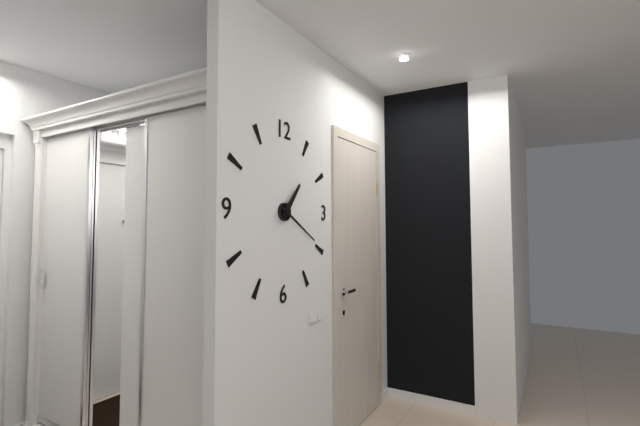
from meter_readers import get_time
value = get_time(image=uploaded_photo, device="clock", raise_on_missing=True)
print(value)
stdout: 1:20
